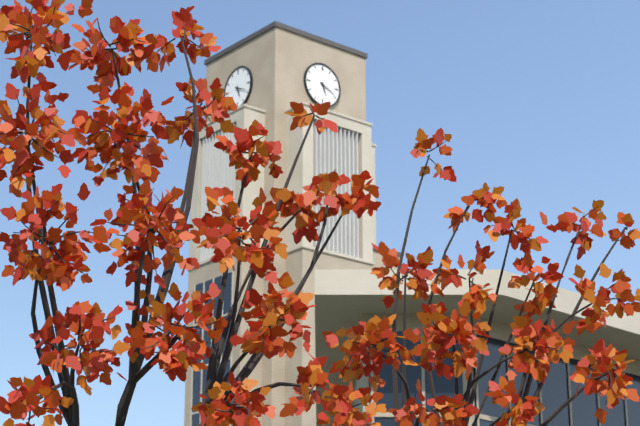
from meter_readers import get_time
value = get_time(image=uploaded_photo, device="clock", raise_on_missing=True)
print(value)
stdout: 5:19
